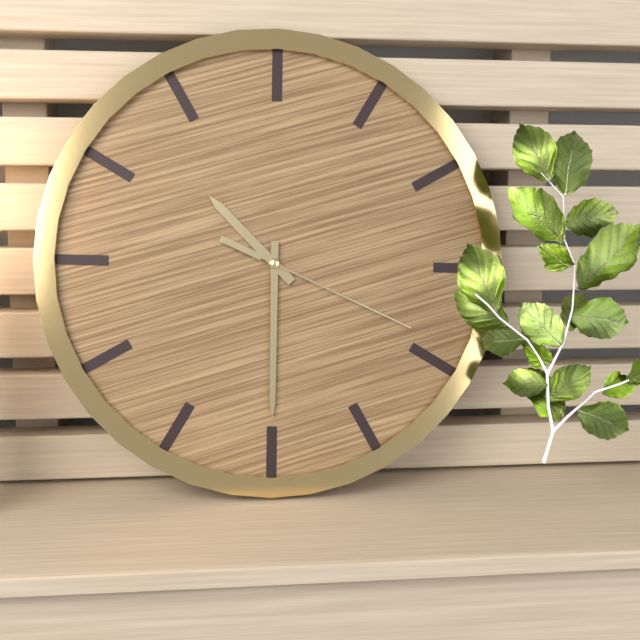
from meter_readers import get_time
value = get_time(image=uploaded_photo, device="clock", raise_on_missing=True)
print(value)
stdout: 10:30:19
